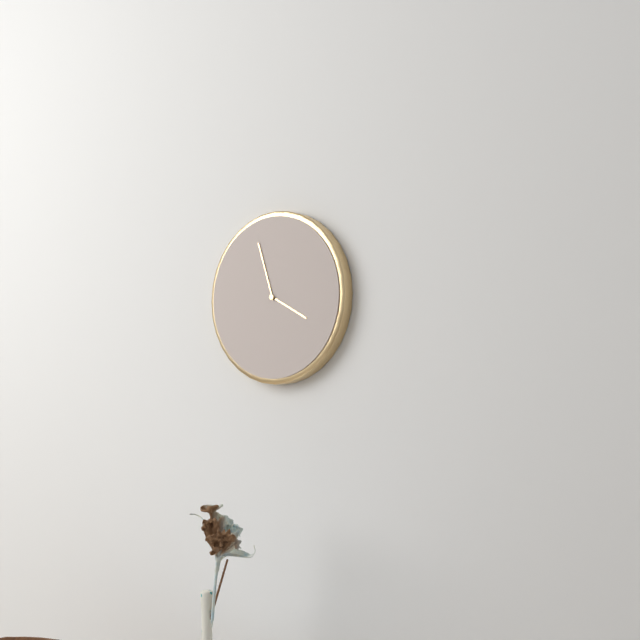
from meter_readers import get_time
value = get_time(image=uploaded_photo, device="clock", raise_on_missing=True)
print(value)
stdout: 3:57
